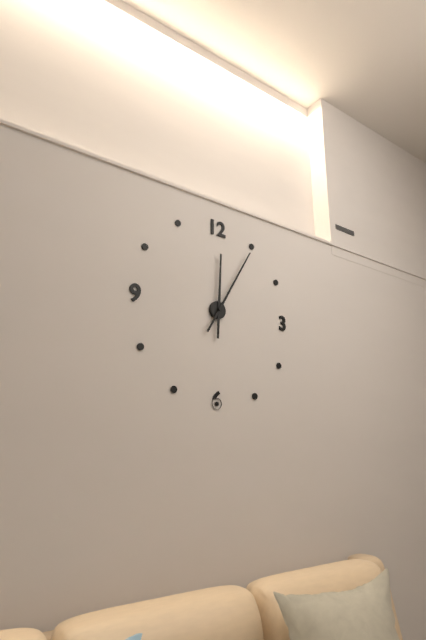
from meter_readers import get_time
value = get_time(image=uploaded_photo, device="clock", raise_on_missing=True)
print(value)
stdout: 12:05
